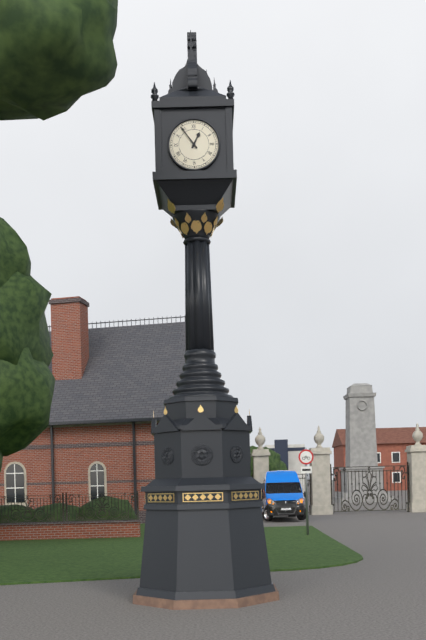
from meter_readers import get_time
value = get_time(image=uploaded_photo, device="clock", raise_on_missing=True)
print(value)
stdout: 12:54
